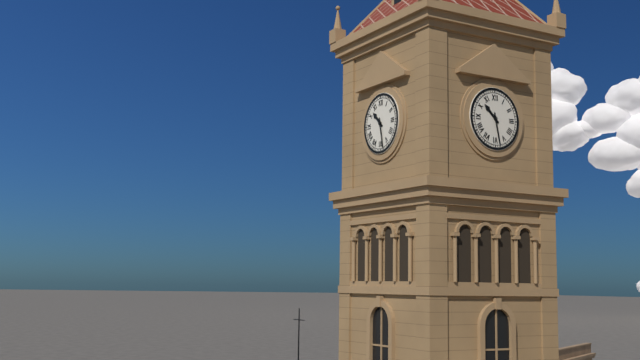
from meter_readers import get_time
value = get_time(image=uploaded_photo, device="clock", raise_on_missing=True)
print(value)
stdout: 10:28
